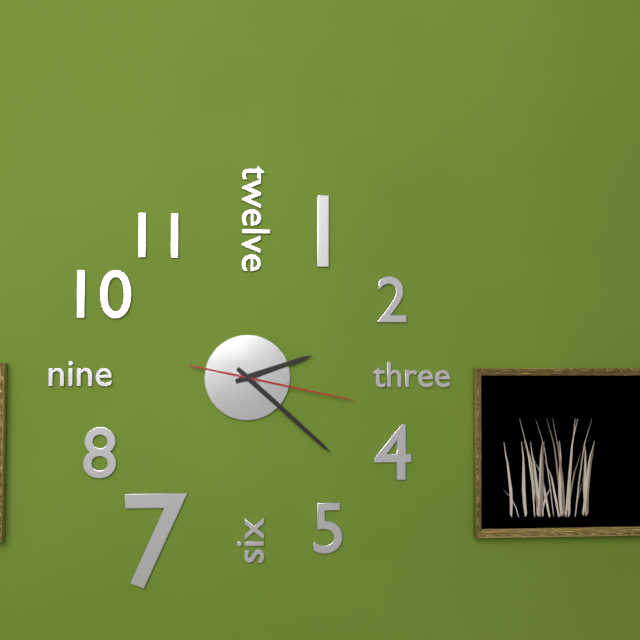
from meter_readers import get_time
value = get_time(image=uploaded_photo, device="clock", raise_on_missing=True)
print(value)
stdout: 2:22:17
